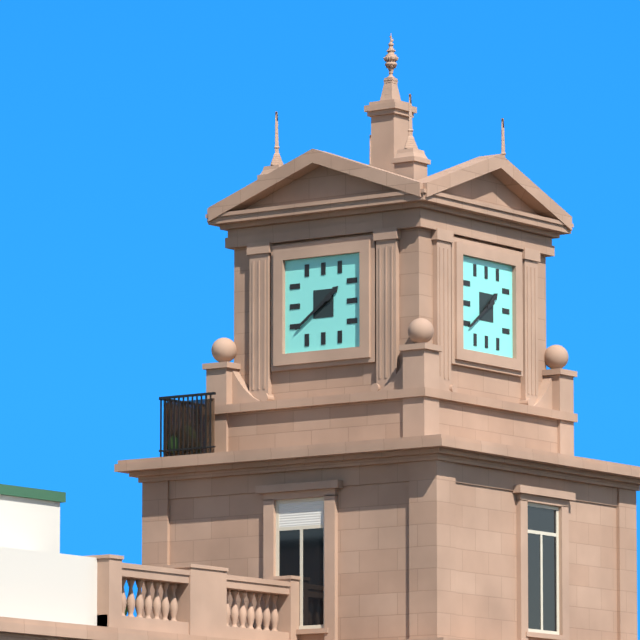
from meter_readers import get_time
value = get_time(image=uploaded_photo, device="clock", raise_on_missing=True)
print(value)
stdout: 1:39
